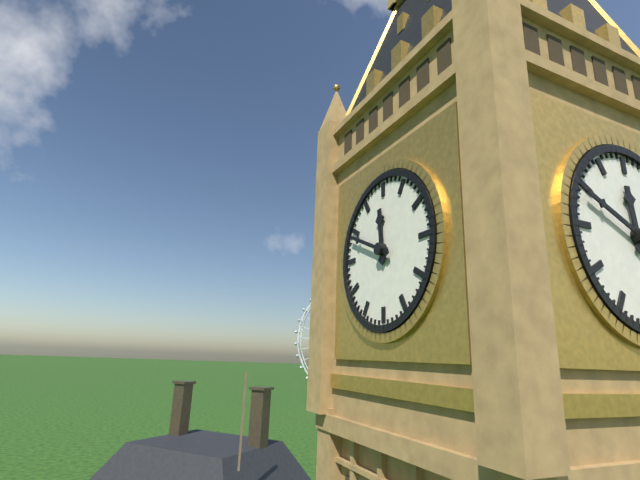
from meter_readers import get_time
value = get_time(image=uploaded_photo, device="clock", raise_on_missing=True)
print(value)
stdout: 11:49
